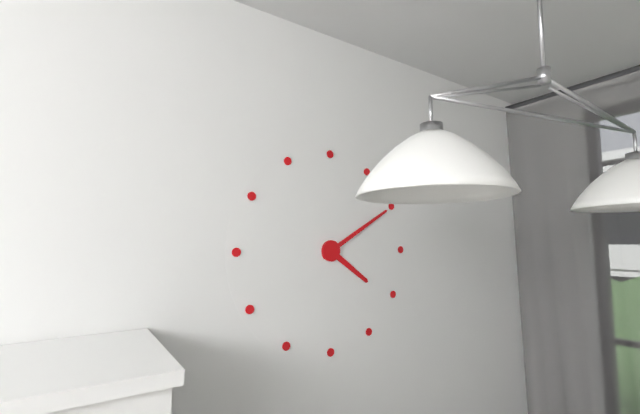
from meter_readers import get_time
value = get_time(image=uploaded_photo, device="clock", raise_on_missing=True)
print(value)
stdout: 4:10
